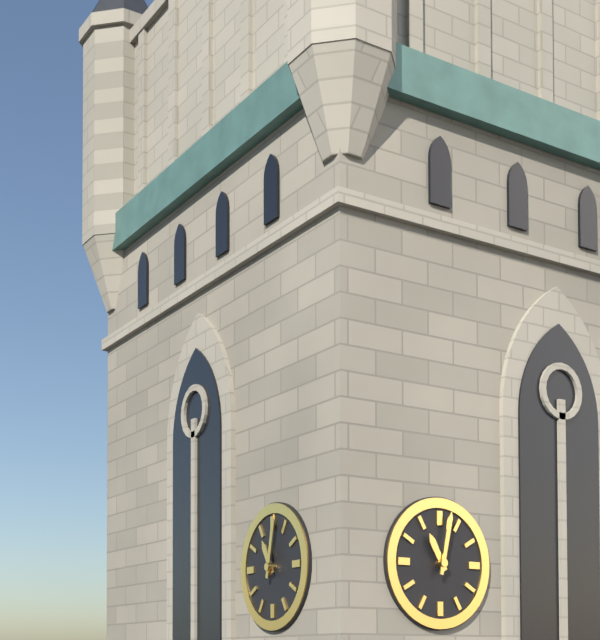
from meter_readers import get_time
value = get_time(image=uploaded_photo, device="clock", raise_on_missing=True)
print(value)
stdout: 11:02
